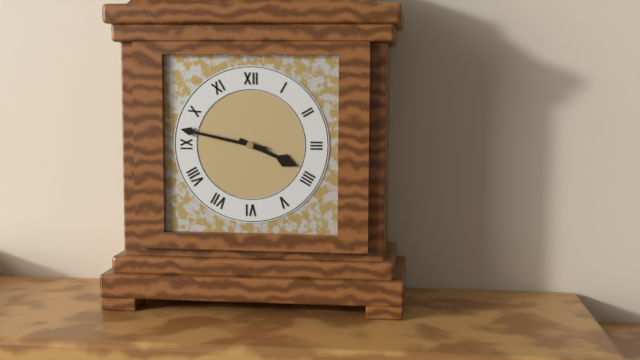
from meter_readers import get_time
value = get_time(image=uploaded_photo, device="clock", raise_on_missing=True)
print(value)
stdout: 3:47
